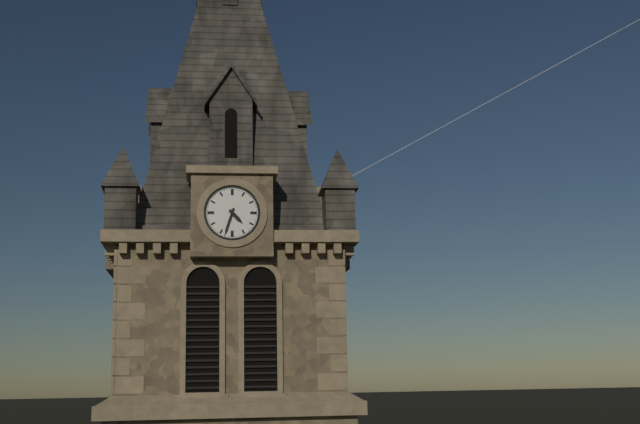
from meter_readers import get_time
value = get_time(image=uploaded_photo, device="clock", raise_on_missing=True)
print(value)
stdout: 4:33
